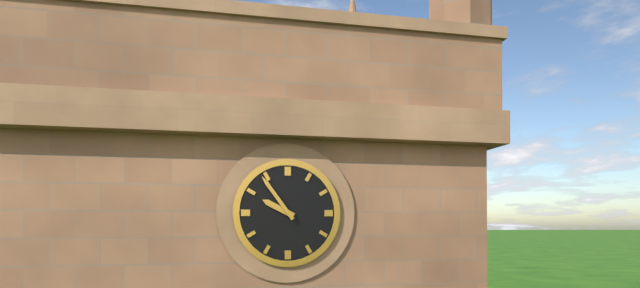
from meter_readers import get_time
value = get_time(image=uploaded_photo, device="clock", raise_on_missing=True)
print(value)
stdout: 9:54
